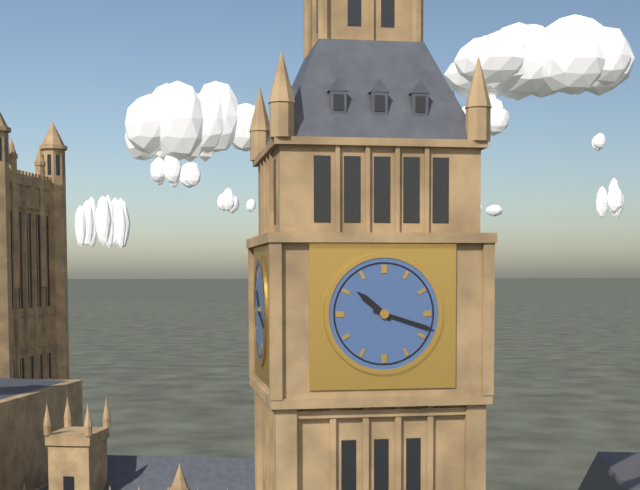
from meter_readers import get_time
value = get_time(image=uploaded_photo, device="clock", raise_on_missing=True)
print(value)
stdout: 10:18
